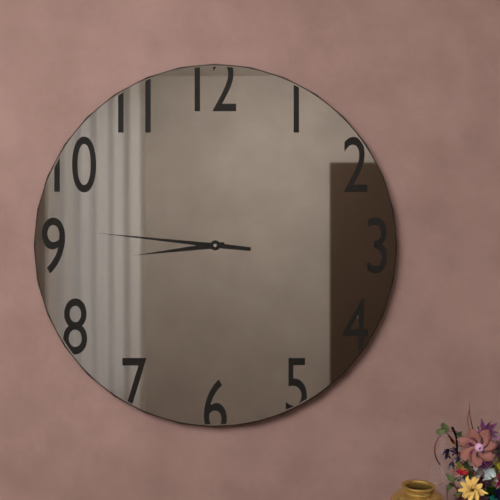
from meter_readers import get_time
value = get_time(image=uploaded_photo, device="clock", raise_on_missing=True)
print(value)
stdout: 8:46
